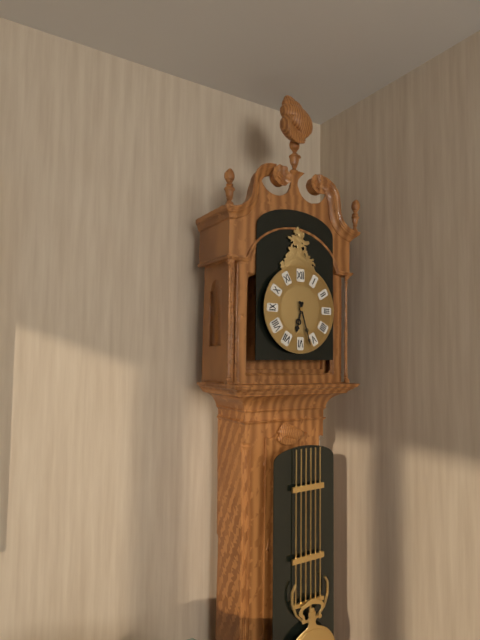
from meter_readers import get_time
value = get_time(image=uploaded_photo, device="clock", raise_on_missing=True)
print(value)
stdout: 6:27
